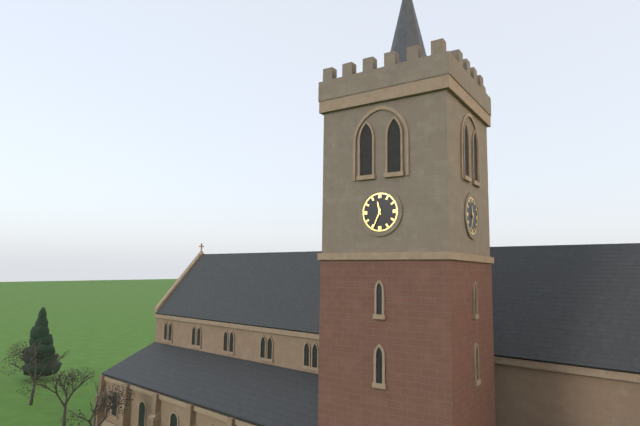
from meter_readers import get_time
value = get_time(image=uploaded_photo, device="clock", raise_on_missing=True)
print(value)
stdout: 11:34
